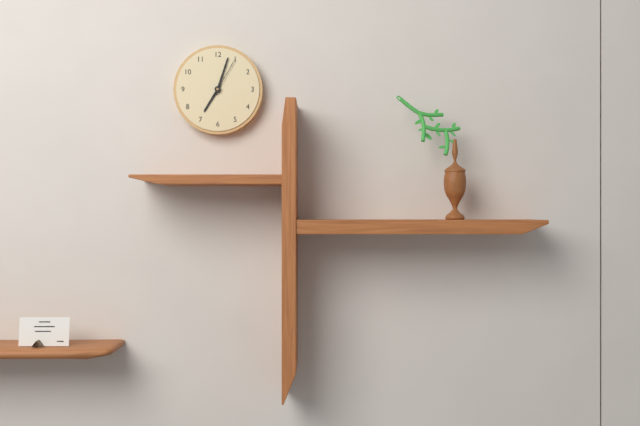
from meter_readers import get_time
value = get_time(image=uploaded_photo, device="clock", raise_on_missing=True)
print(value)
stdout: 7:03
